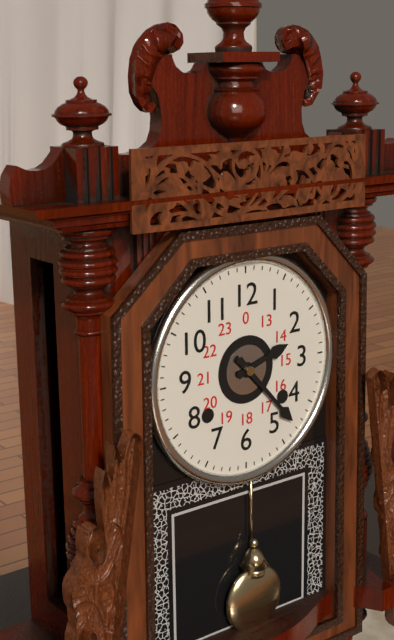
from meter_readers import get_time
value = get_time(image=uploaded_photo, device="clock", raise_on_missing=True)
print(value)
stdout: 2:23
